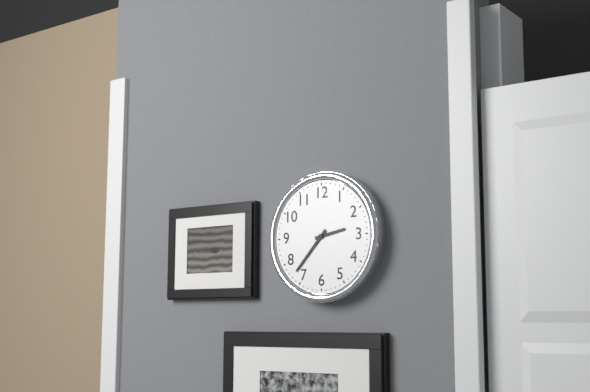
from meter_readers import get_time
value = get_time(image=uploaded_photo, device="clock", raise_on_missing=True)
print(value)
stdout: 2:37
